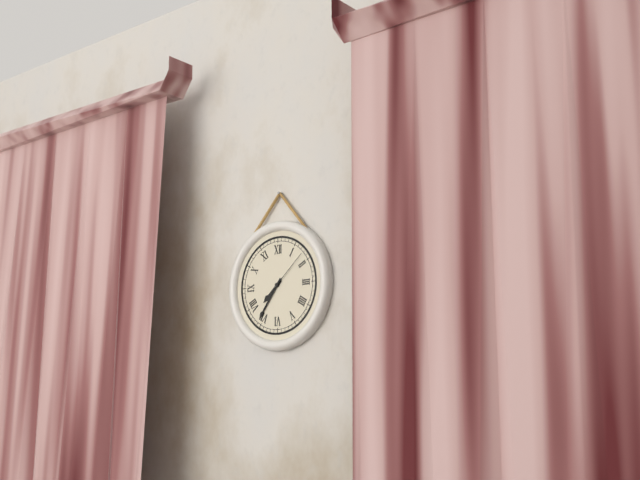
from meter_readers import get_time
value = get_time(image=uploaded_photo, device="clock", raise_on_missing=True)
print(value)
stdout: 7:36
